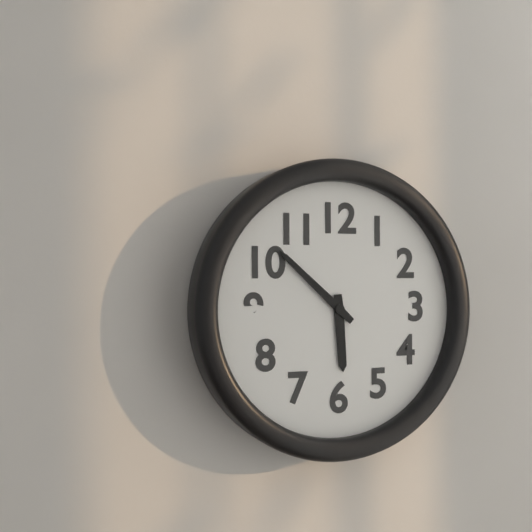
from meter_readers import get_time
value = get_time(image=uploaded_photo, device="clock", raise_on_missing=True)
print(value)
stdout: 5:52
